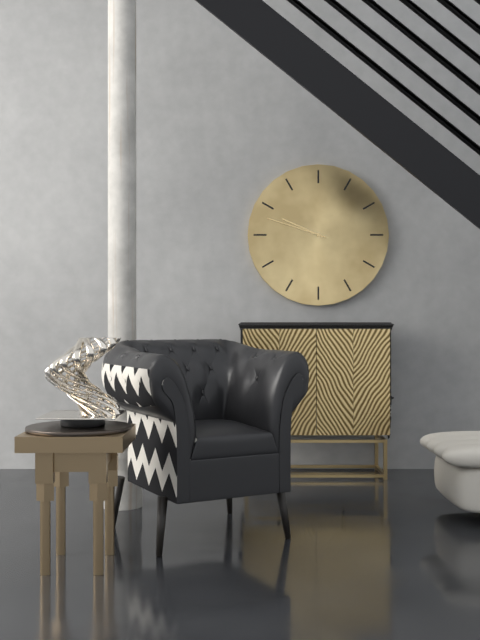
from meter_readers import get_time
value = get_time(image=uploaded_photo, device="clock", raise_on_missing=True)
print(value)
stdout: 9:48
